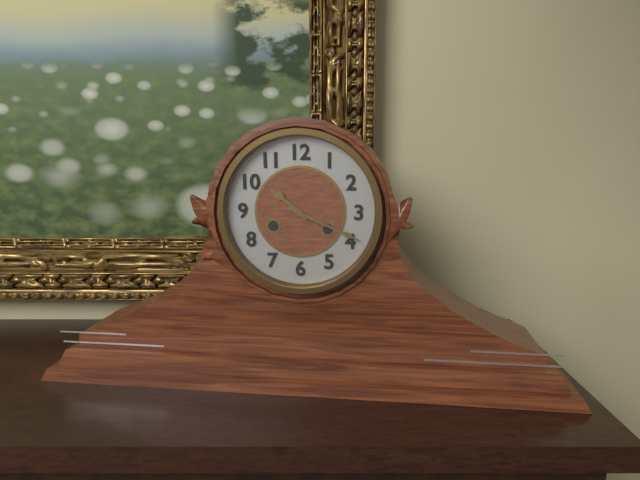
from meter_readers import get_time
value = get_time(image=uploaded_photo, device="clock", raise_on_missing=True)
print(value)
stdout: 10:19
